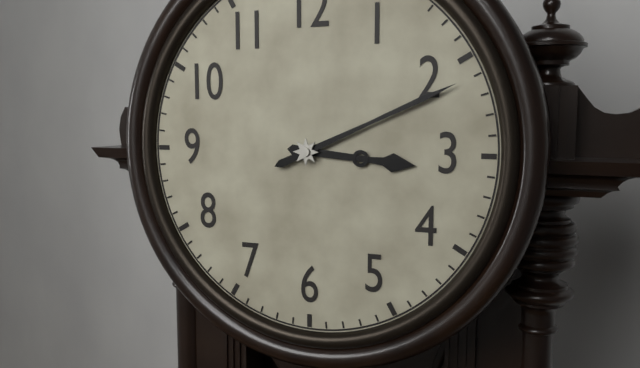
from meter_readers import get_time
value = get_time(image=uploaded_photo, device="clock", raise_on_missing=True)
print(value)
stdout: 3:11
